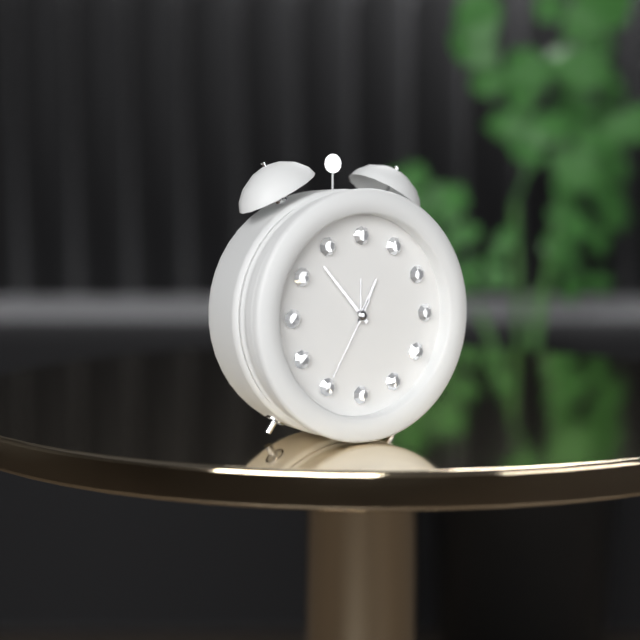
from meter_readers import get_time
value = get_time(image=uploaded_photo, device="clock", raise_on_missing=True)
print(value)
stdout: 12:53:35
